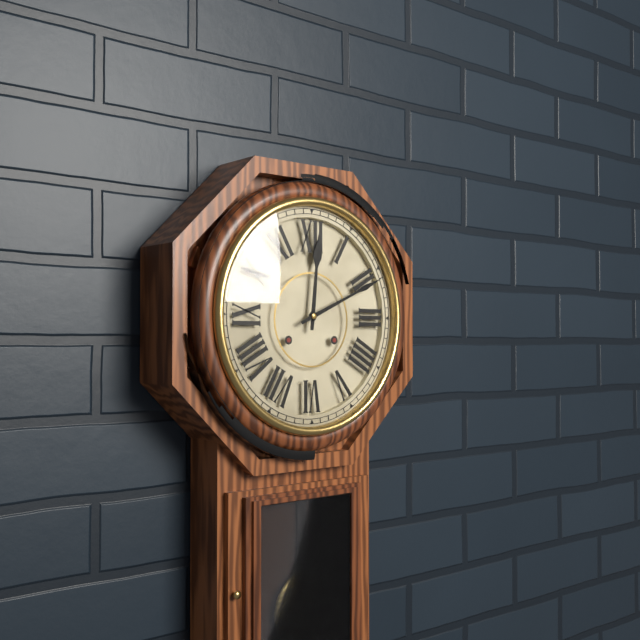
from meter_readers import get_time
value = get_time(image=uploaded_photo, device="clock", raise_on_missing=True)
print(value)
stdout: 12:11
